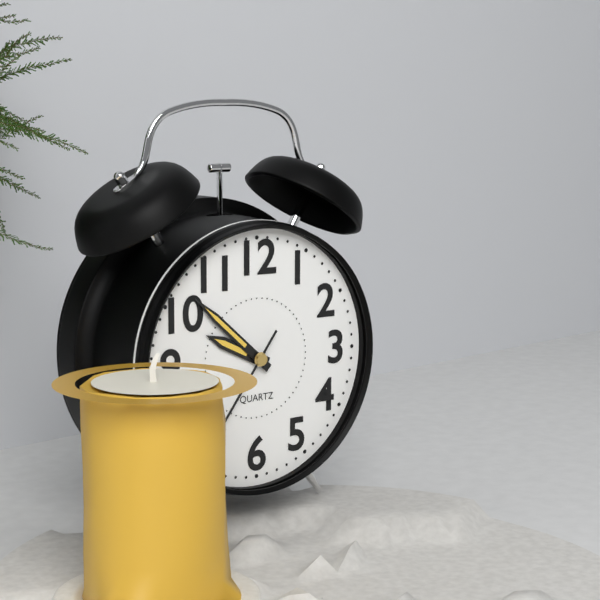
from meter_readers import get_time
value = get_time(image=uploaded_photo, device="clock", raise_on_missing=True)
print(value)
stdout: 9:52
